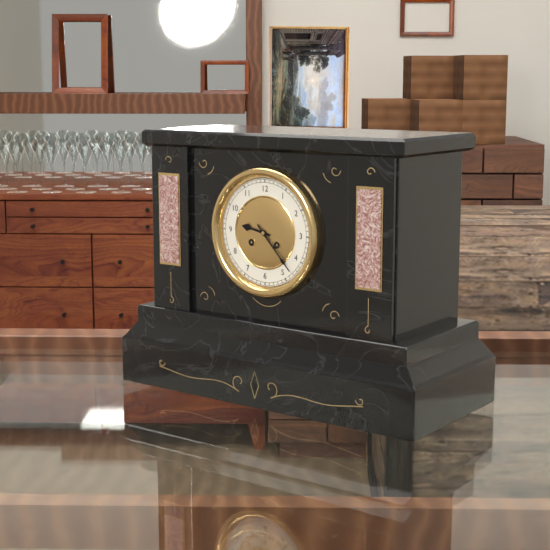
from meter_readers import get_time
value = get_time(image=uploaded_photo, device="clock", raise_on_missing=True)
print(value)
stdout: 9:23
